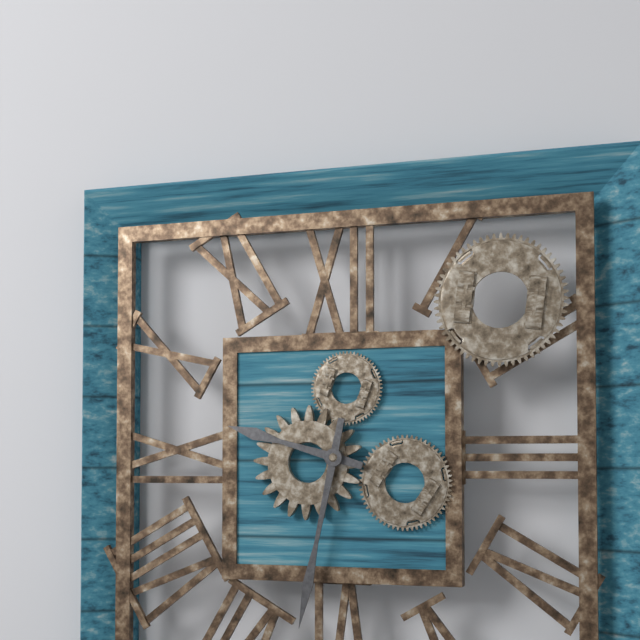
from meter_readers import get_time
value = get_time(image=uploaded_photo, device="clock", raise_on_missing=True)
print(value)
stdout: 9:32
